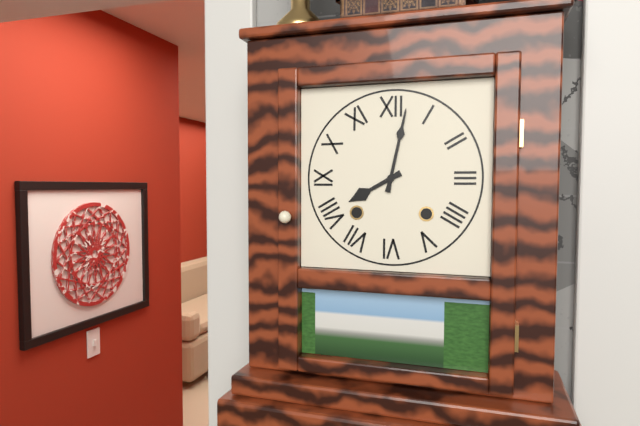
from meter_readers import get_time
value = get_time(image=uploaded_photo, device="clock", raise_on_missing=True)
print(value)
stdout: 8:02
